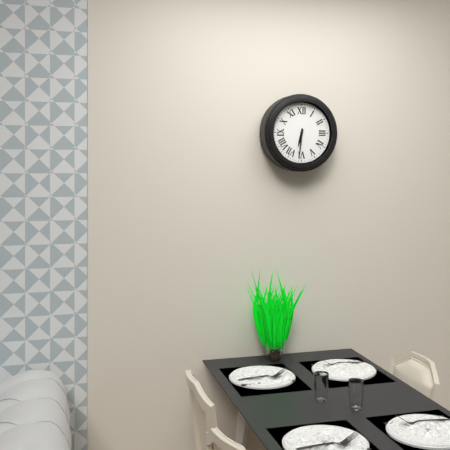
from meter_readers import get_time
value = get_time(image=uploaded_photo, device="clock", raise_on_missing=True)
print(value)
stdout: 6:31
